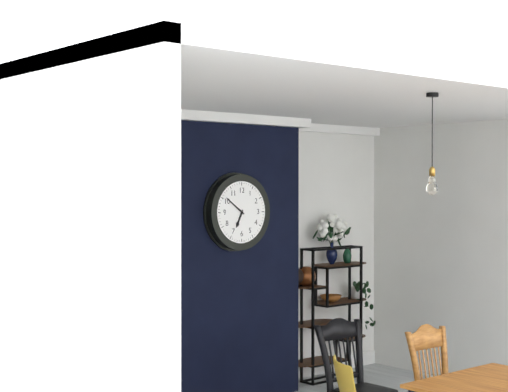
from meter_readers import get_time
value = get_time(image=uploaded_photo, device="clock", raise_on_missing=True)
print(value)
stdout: 6:51
